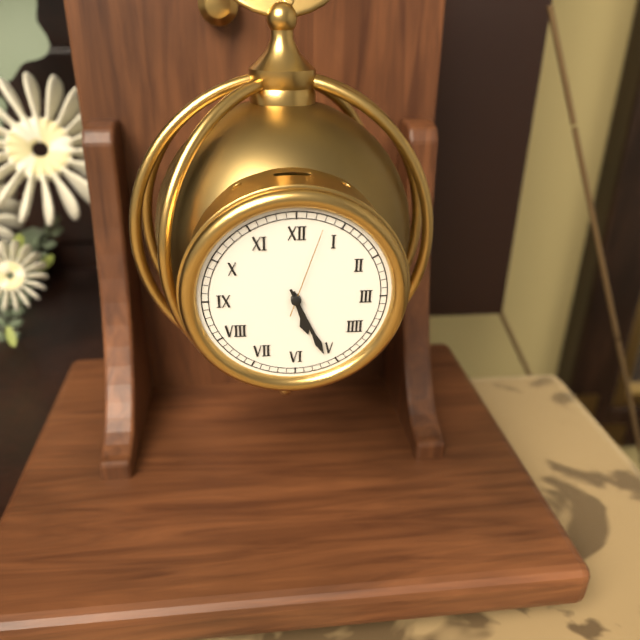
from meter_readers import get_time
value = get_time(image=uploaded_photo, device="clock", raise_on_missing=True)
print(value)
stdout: 5:26:03
